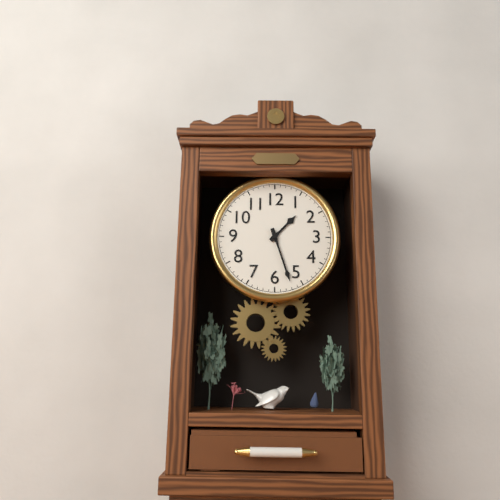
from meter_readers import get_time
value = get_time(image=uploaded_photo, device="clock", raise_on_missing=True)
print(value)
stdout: 1:27
